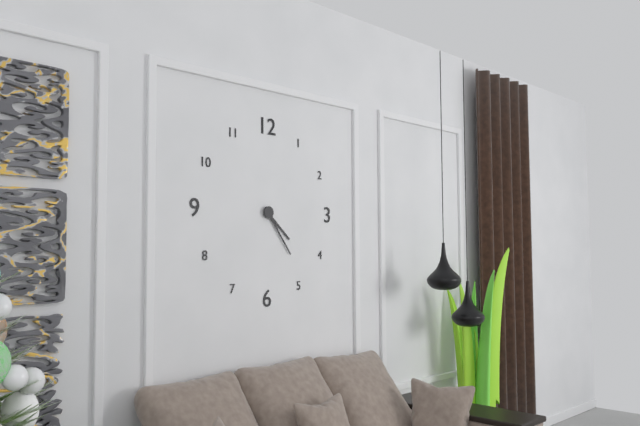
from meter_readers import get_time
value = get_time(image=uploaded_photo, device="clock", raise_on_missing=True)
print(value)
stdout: 4:24
